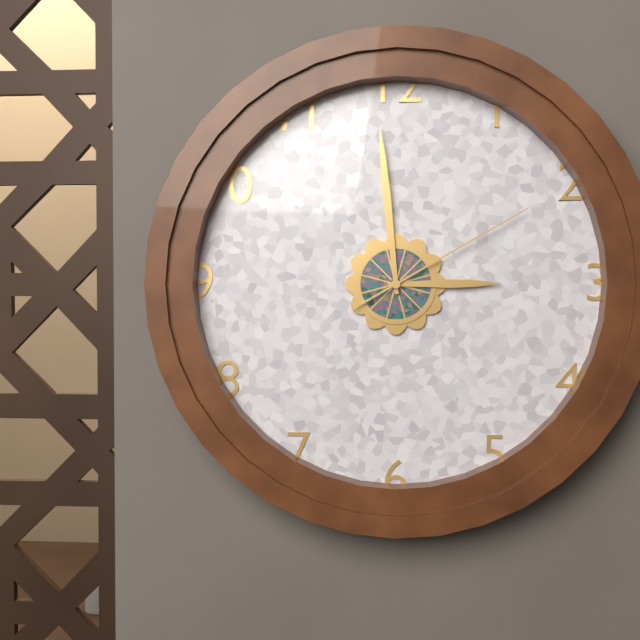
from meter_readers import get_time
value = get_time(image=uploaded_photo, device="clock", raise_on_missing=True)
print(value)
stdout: 2:59:10
